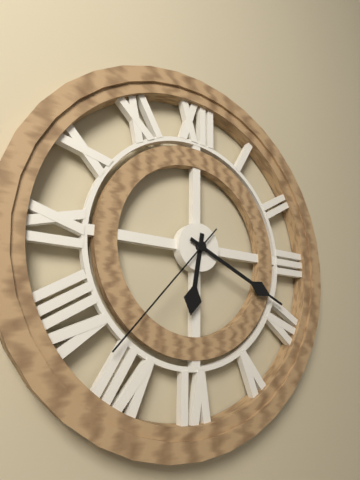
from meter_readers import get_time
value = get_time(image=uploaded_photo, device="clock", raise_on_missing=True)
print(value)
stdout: 6:19:37
